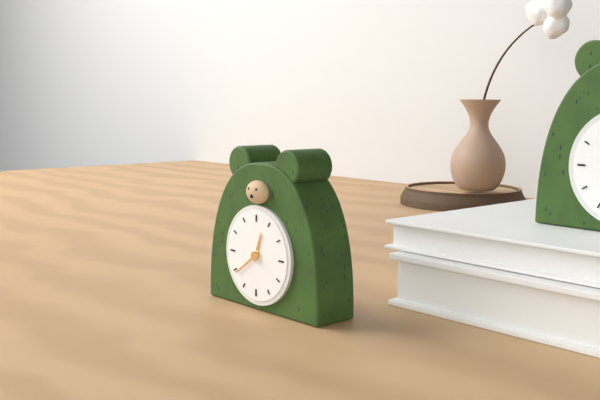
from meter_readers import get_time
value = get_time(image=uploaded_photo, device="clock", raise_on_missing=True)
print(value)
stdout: 12:39
